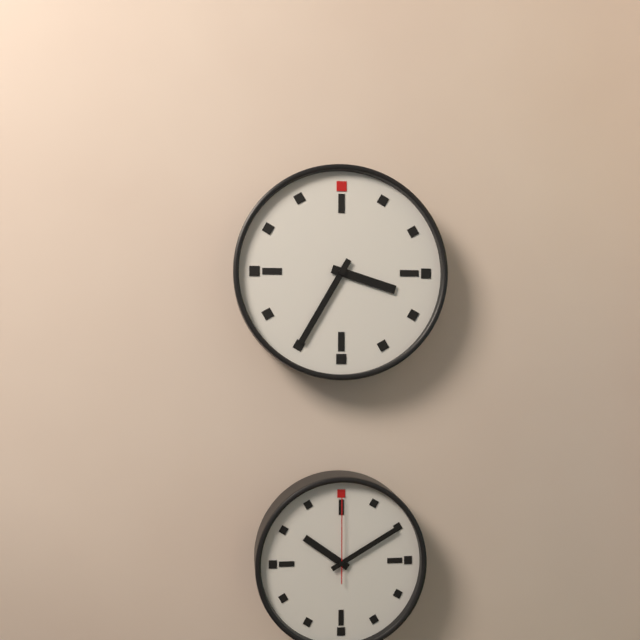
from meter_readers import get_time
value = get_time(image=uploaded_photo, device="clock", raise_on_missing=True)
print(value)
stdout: 3:35
